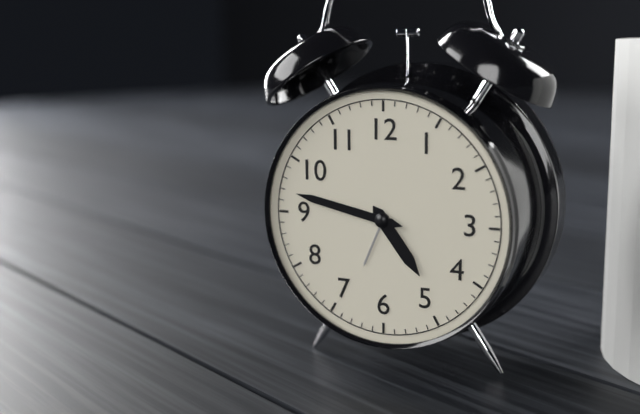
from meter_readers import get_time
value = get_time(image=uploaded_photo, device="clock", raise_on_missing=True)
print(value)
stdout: 4:47
